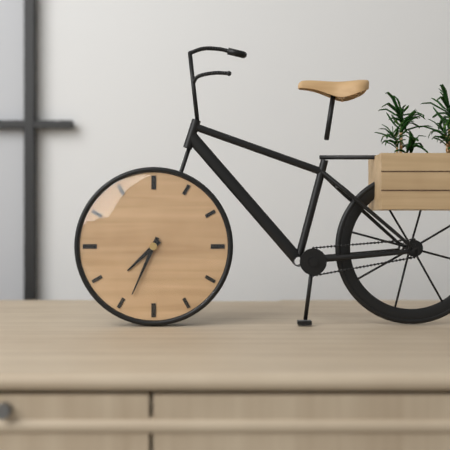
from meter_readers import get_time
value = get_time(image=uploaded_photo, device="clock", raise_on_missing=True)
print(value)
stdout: 7:34
